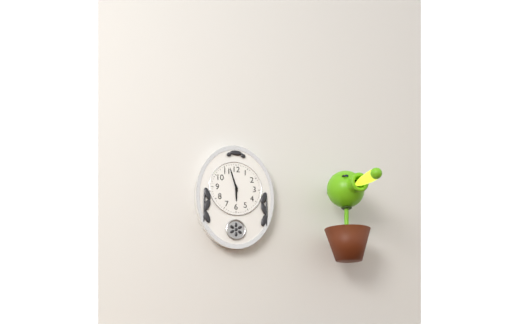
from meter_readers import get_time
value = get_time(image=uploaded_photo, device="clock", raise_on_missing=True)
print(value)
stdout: 5:57
